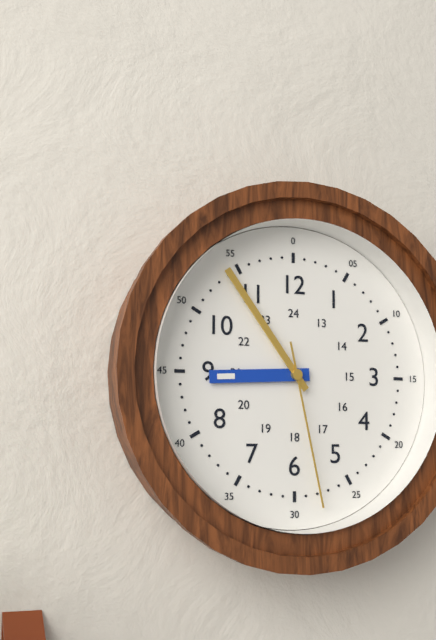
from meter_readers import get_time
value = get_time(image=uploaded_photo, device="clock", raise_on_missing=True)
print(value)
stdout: 8:54:28
